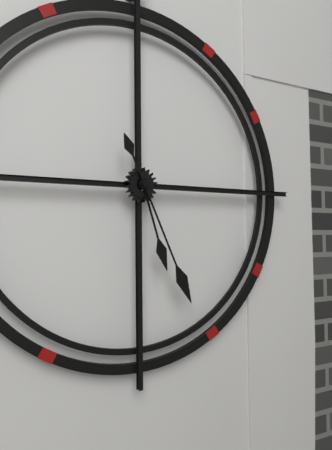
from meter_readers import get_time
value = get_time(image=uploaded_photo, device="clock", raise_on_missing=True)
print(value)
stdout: 5:26
